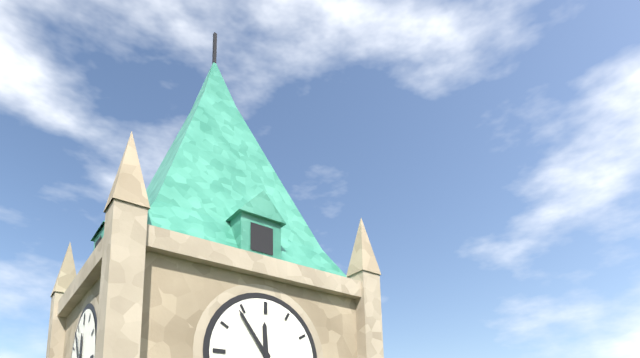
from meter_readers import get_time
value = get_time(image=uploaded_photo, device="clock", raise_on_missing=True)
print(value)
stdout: 11:54
